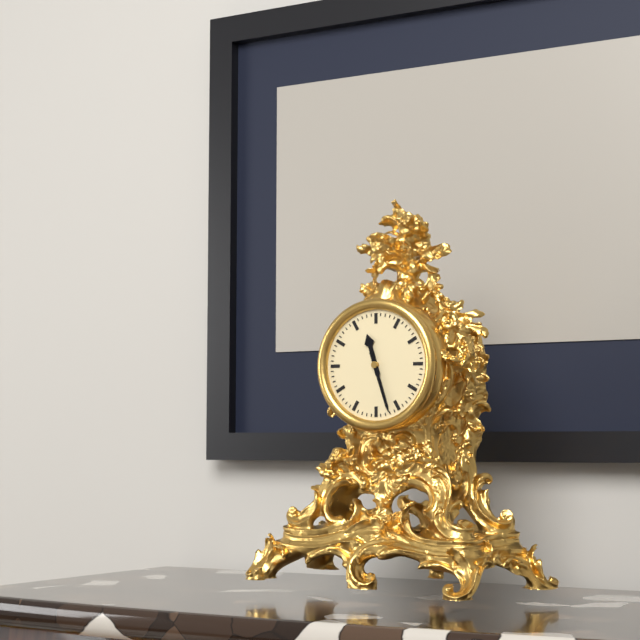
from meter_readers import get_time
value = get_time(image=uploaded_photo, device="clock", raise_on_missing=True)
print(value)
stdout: 11:27
